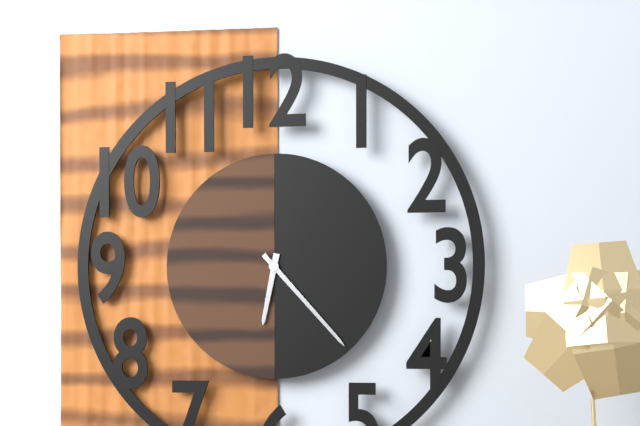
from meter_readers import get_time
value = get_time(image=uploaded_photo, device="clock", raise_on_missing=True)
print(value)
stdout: 6:23
